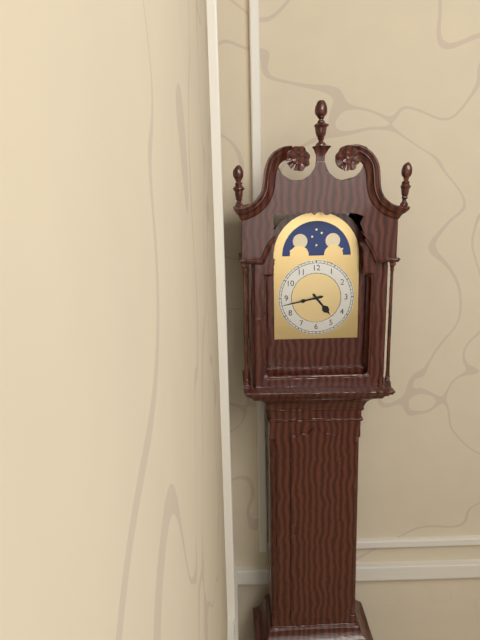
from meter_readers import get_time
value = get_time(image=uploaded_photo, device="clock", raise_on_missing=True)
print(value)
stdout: 4:43
